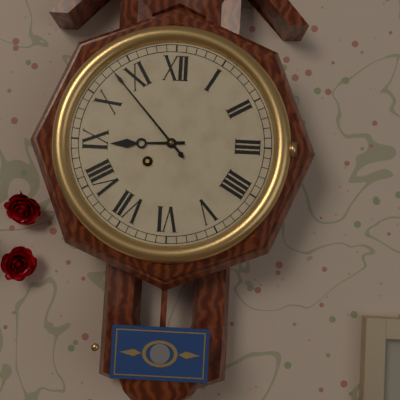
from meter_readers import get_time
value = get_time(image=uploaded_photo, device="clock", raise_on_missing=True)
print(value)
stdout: 8:53
